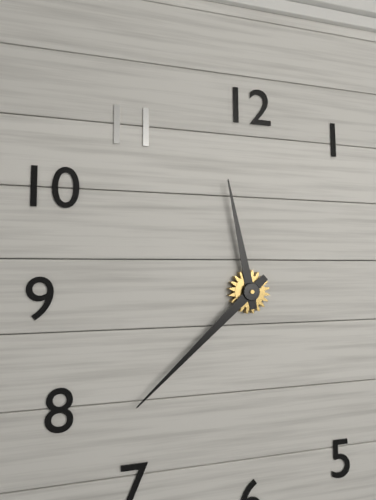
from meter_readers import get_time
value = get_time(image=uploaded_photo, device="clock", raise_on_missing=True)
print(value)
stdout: 11:38
